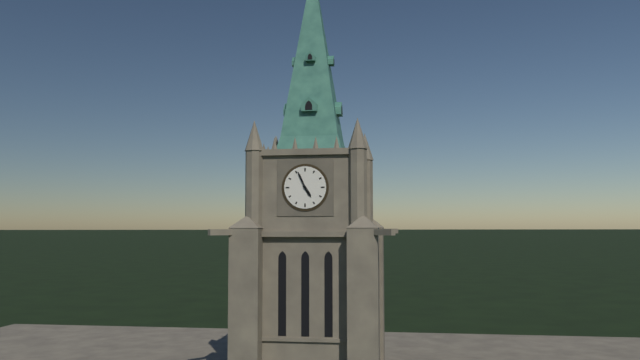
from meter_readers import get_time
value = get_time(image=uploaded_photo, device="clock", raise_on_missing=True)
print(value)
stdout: 4:56
